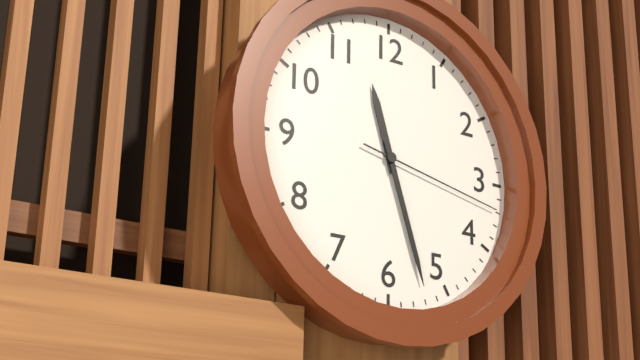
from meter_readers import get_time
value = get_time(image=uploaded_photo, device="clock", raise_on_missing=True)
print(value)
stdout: 11:27:17
